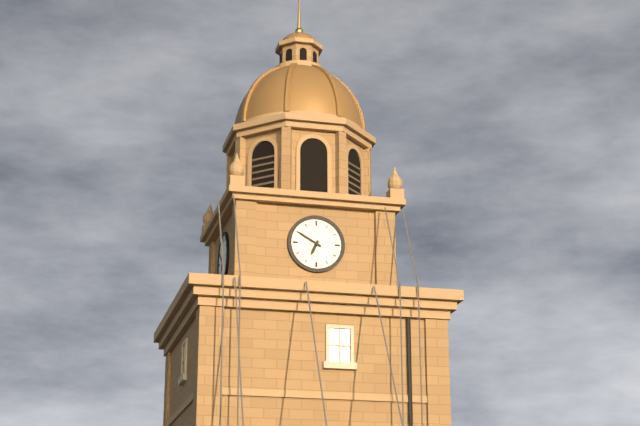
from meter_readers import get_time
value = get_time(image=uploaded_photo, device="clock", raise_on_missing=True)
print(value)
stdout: 6:50
